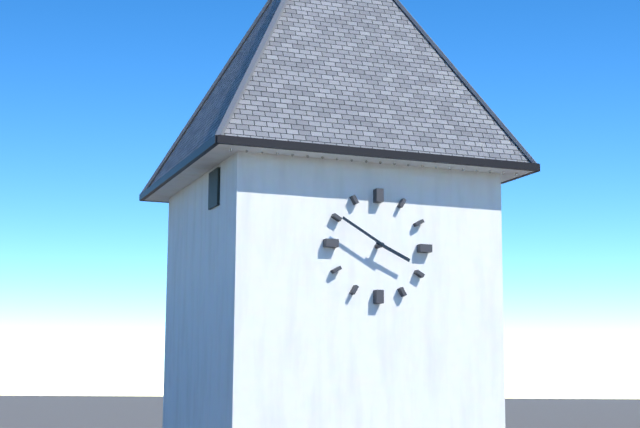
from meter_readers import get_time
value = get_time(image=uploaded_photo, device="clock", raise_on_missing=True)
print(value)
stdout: 3:50
